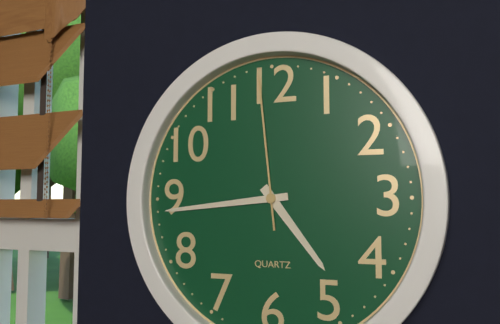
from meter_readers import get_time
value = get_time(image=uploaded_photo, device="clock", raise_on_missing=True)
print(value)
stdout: 4:44:59
